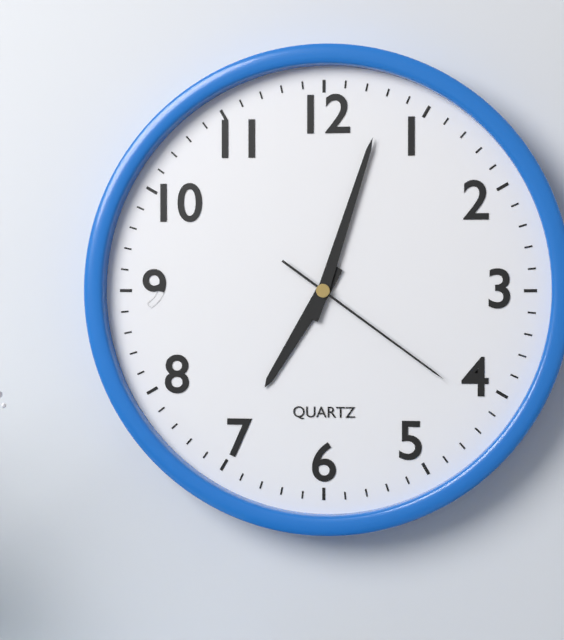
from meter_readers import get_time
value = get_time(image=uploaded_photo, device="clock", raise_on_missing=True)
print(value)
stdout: 7:03:21
